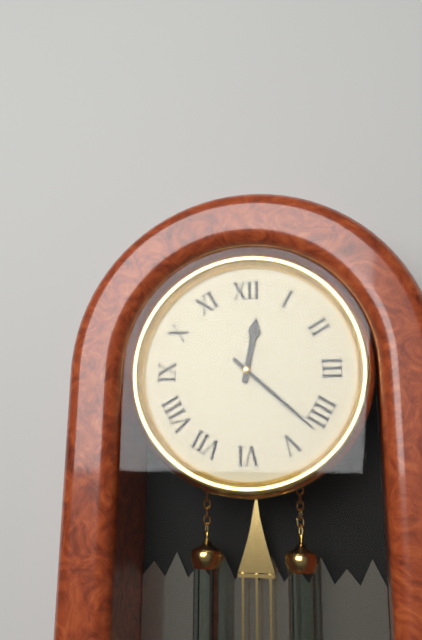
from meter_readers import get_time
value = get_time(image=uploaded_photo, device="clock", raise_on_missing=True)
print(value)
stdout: 12:22
